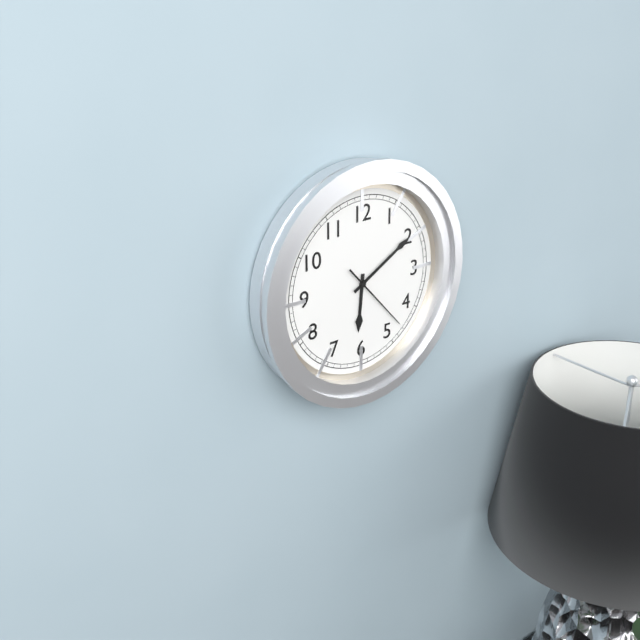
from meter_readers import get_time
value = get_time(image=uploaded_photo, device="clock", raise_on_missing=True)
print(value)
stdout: 6:10:23
